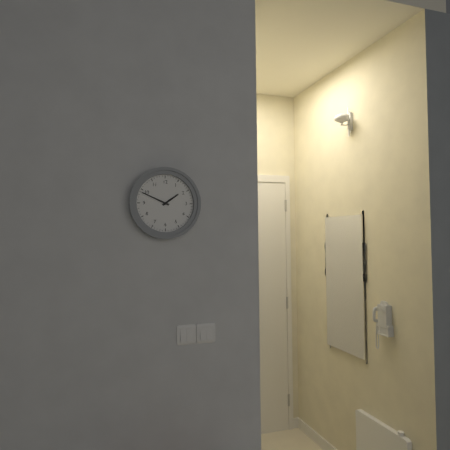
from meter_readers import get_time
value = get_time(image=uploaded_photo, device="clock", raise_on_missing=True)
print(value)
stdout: 1:49
